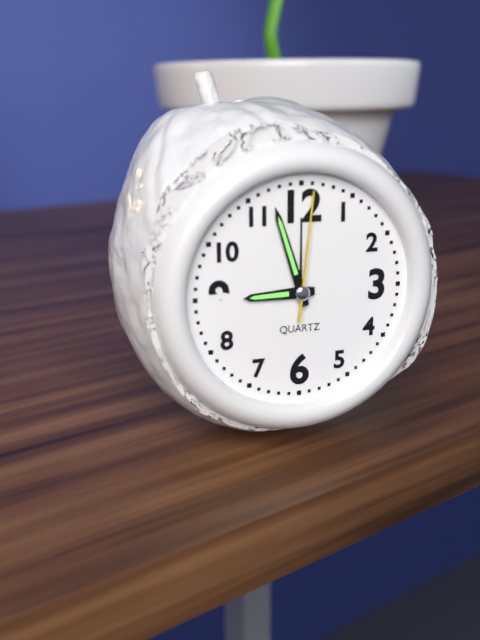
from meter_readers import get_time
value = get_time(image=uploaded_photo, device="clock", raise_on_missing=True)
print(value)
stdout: 8:57:01
